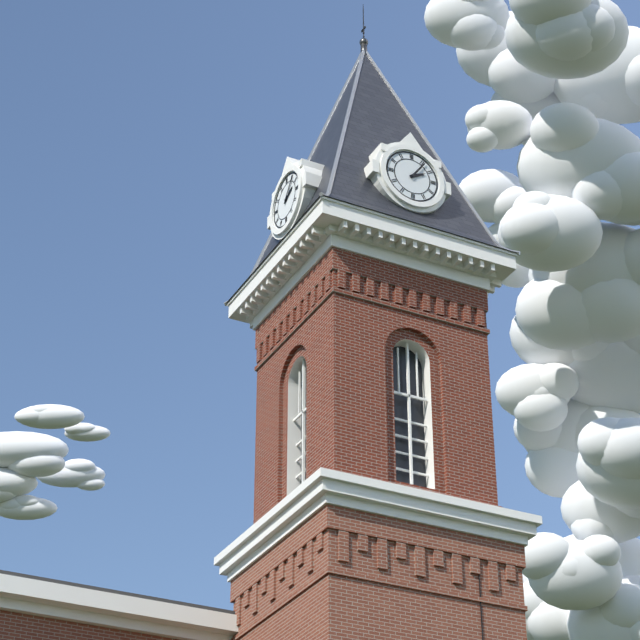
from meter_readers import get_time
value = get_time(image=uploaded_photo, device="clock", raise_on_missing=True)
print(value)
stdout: 2:06
